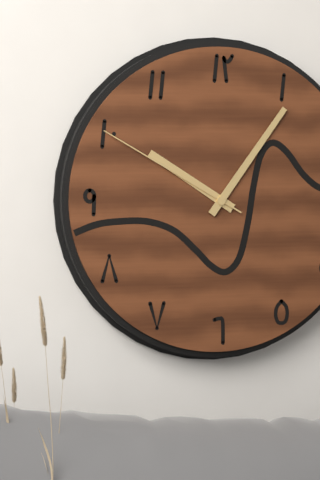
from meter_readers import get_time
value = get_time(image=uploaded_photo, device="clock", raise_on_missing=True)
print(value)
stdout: 10:06:50
